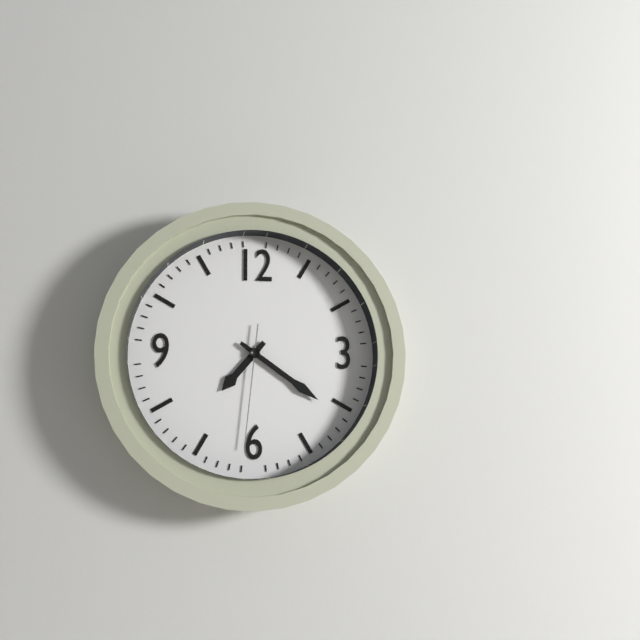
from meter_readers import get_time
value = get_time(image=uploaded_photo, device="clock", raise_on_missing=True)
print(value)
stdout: 7:21:31
